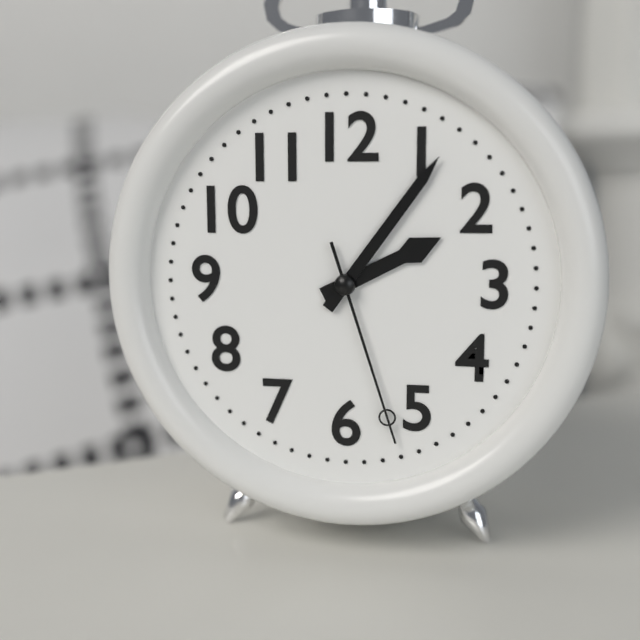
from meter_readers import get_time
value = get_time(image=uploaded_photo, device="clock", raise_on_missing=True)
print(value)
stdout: 2:06:27
